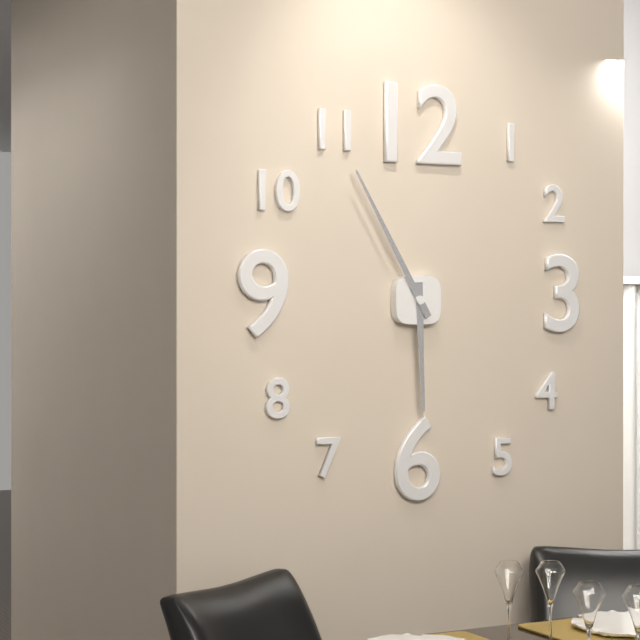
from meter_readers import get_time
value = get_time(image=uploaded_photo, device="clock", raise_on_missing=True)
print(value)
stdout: 5:55
